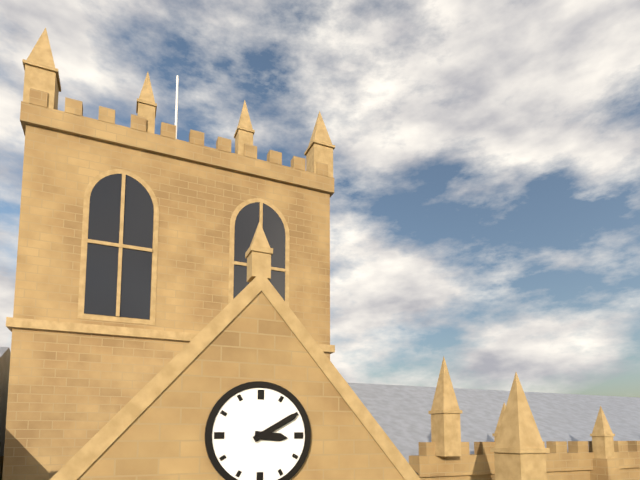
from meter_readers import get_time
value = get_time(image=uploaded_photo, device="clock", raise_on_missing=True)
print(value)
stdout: 3:10
